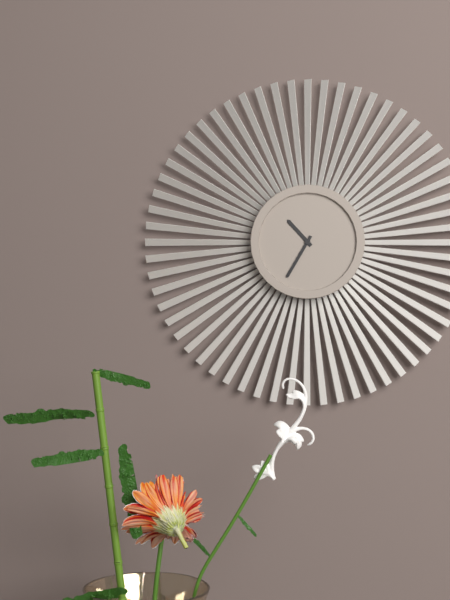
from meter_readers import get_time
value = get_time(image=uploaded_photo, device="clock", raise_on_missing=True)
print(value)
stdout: 10:35
